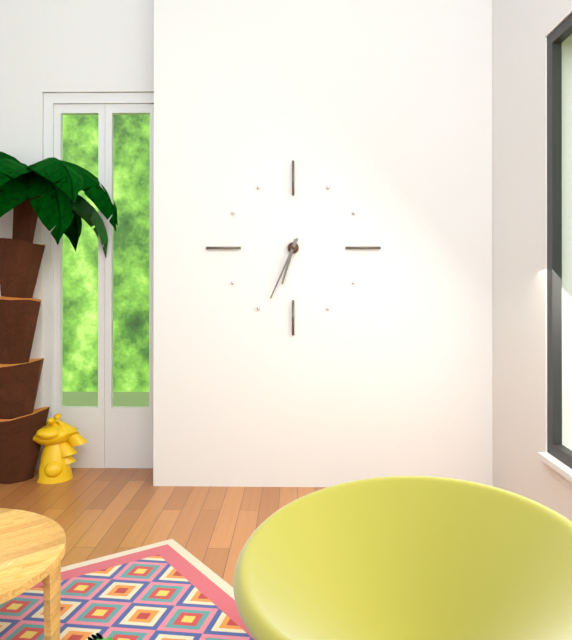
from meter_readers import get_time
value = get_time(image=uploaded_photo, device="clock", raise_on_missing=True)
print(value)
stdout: 6:34
